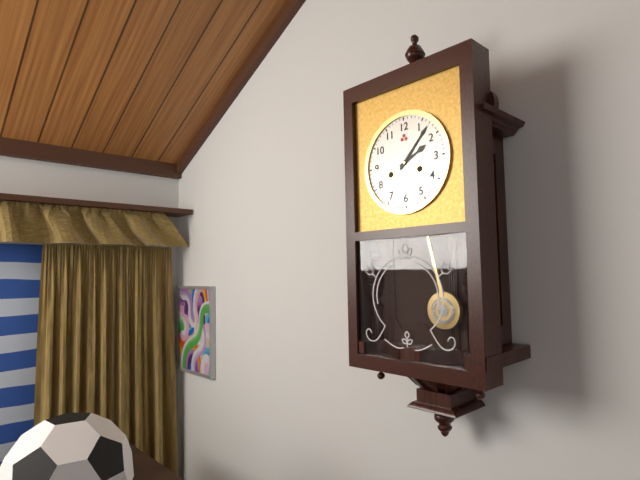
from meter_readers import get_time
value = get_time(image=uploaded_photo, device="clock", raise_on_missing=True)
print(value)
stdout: 2:07
